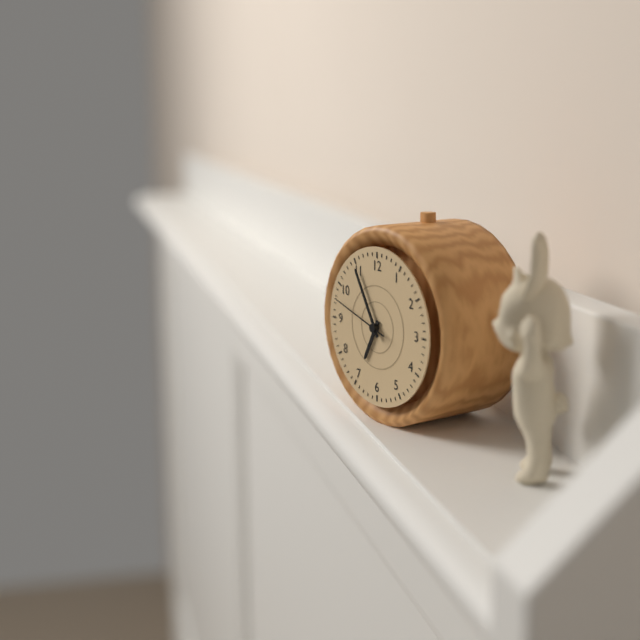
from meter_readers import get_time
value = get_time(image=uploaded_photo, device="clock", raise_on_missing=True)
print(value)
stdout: 6:55:48
